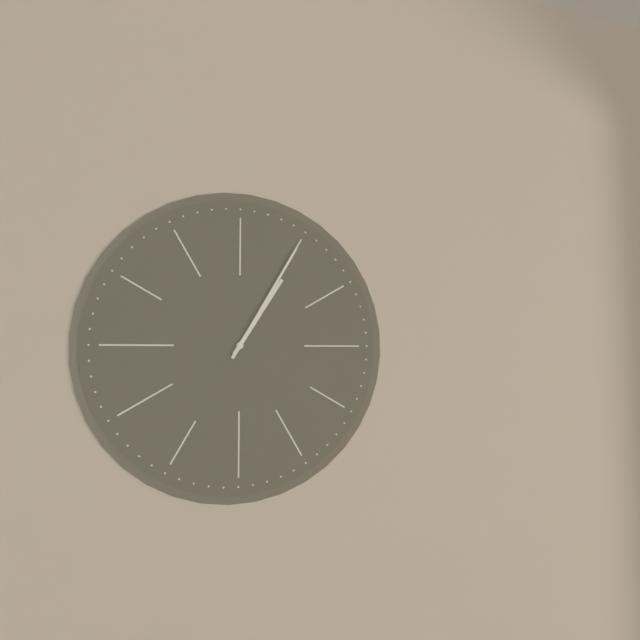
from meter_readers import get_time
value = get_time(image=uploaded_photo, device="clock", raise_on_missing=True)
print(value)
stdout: 1:05
